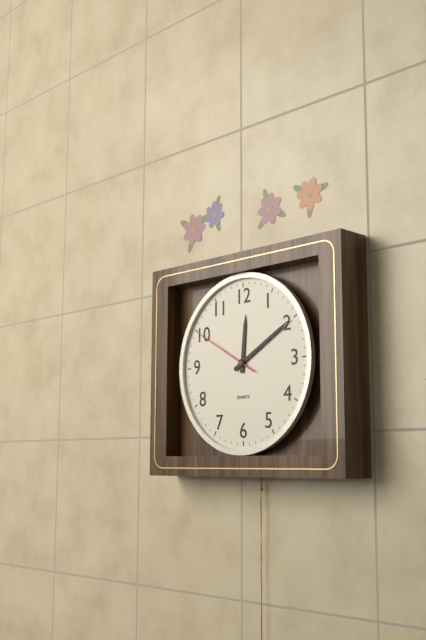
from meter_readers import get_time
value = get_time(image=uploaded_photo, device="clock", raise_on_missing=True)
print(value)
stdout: 12:10:50
